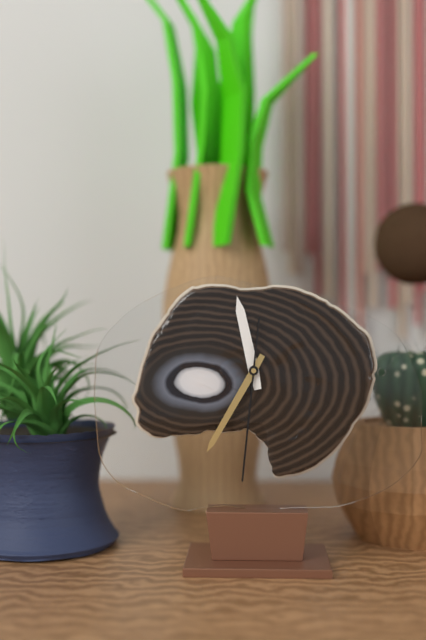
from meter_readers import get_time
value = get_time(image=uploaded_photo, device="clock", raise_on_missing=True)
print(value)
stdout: 11:35:31
